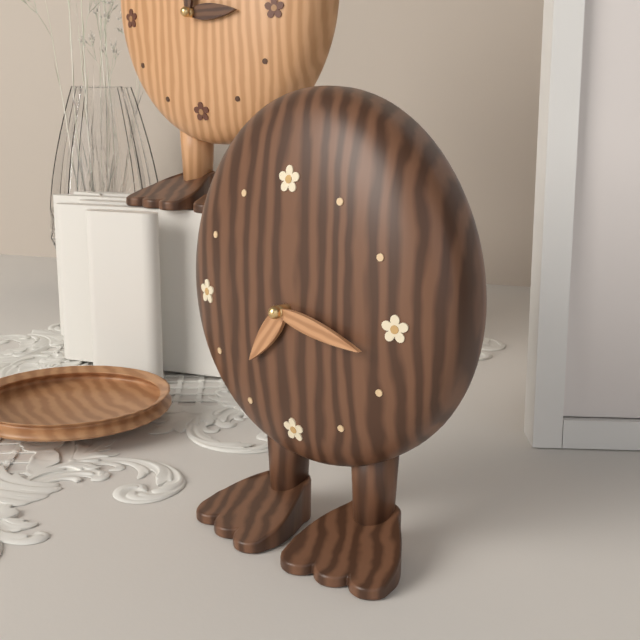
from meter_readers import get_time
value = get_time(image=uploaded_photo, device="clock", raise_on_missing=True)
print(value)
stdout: 7:17
